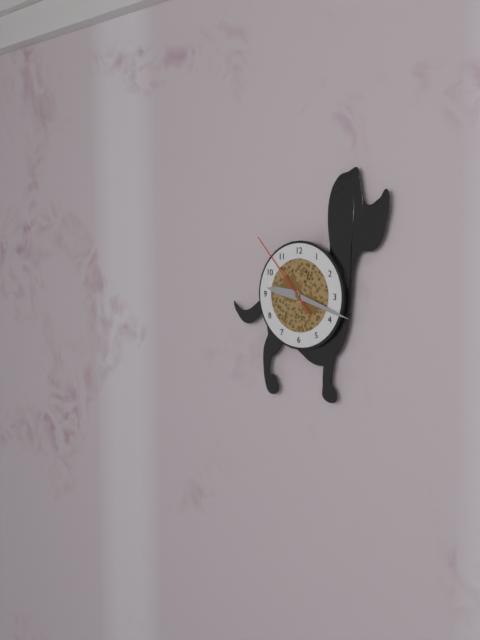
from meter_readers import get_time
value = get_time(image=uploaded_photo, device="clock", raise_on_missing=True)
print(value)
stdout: 9:18:53
